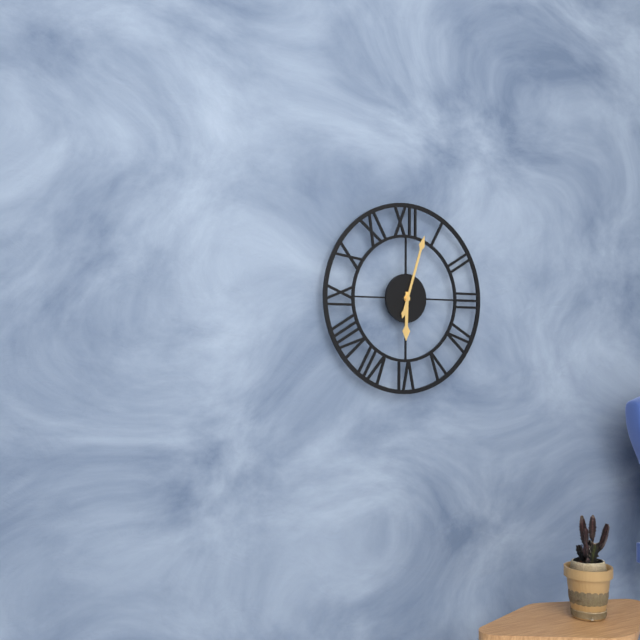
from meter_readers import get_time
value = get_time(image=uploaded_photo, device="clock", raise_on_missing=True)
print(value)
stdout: 6:03
